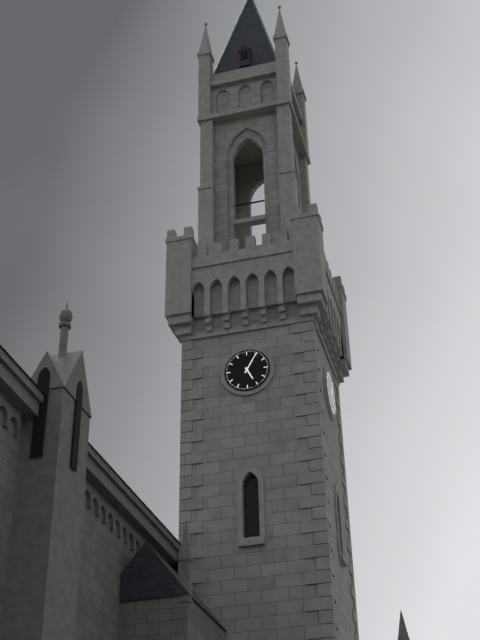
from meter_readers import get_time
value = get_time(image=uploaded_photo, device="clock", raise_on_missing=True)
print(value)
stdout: 5:05
